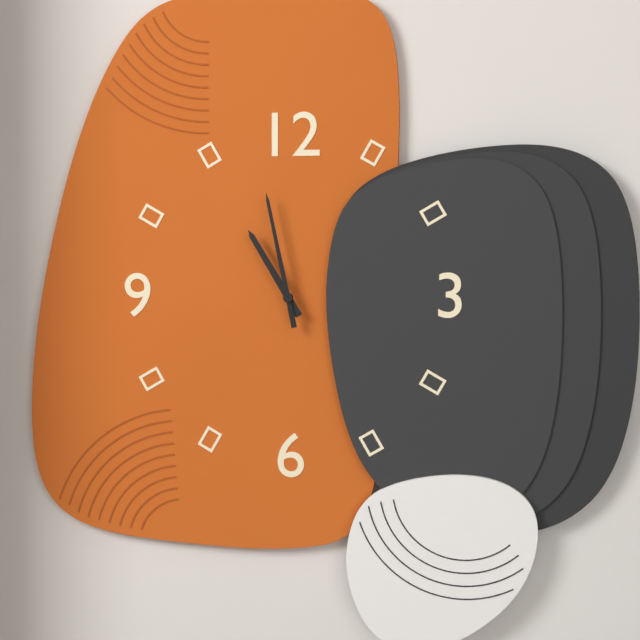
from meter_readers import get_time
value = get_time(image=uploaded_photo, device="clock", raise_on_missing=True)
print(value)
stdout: 10:58
